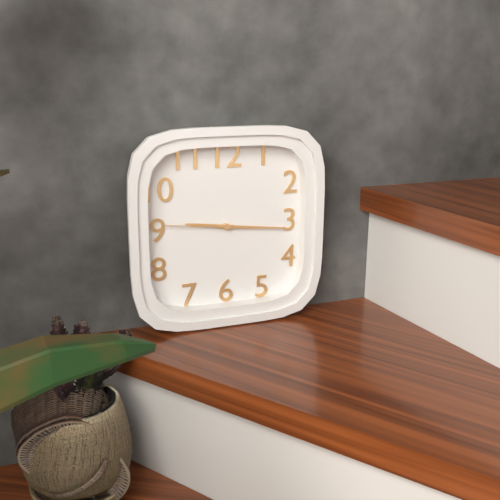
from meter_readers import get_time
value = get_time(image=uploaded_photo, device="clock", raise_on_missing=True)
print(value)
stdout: 9:16:46
